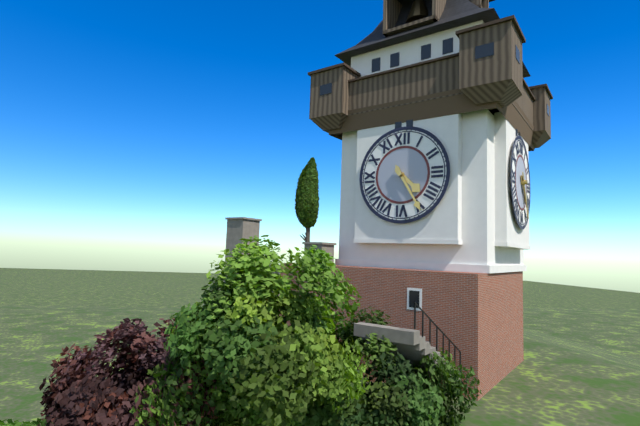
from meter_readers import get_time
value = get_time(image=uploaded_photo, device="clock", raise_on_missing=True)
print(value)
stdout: 4:25
